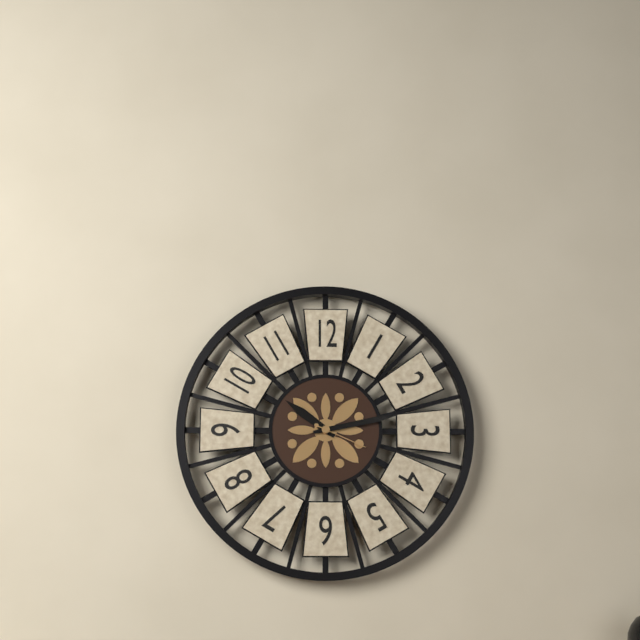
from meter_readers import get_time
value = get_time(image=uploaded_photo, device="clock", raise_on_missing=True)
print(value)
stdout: 10:13:19
